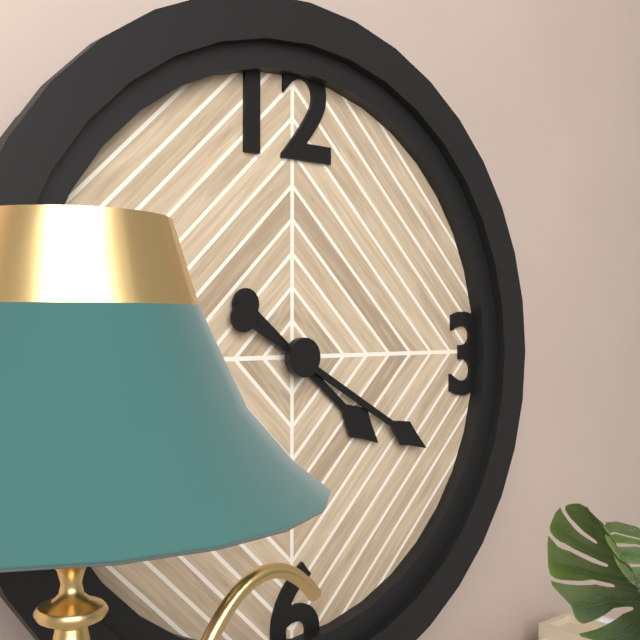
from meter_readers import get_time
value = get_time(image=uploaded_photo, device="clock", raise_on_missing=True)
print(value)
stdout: 4:20
